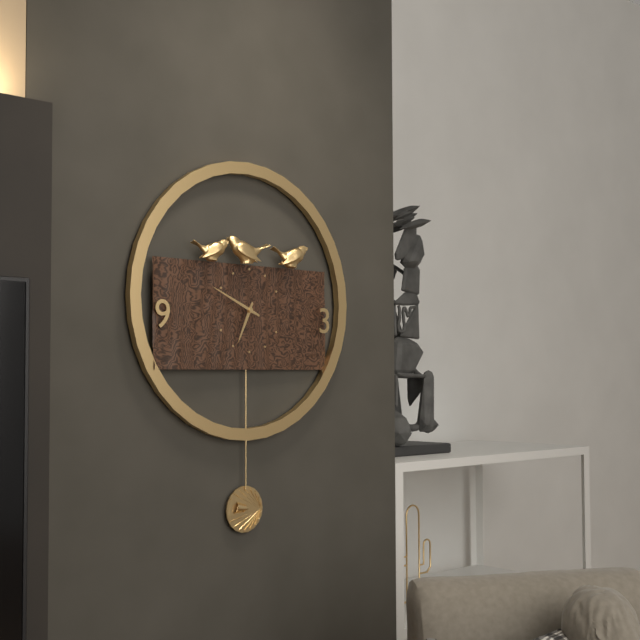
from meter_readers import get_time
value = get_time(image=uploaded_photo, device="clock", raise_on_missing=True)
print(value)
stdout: 6:49
